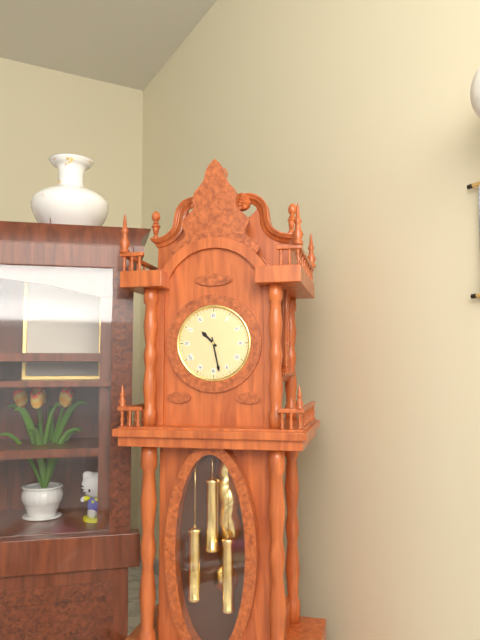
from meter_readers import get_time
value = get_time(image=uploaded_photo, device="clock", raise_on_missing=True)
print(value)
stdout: 10:28
